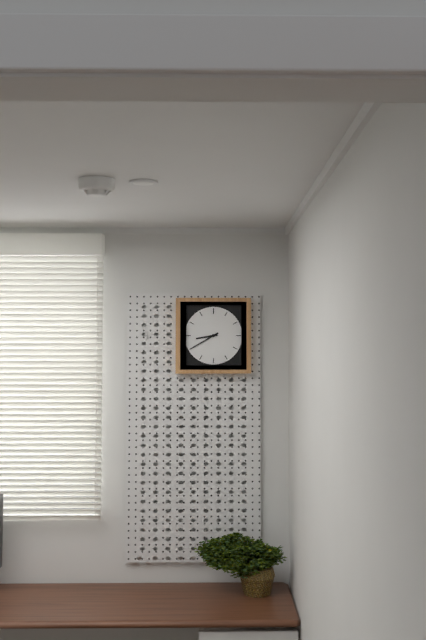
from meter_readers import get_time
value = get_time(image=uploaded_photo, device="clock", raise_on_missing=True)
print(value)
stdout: 8:40
